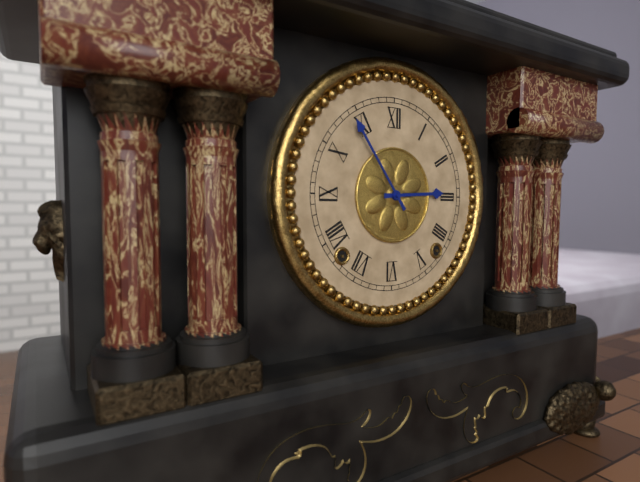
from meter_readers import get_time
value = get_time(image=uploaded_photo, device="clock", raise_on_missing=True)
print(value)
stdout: 2:54
